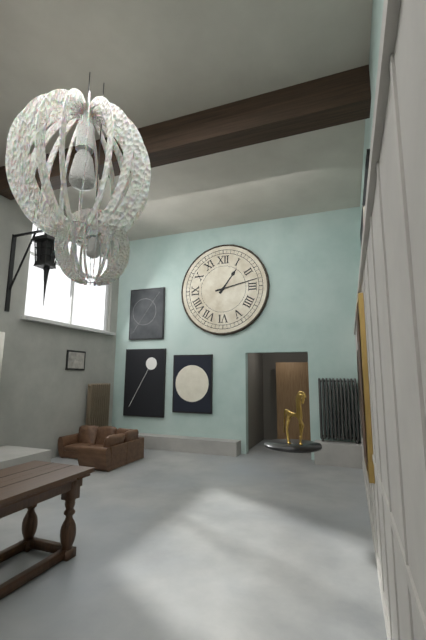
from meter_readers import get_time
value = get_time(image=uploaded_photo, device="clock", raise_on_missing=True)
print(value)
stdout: 1:13
